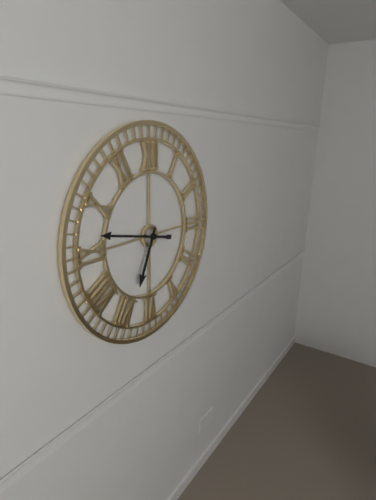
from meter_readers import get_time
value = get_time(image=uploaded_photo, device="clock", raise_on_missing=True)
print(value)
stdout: 6:47
